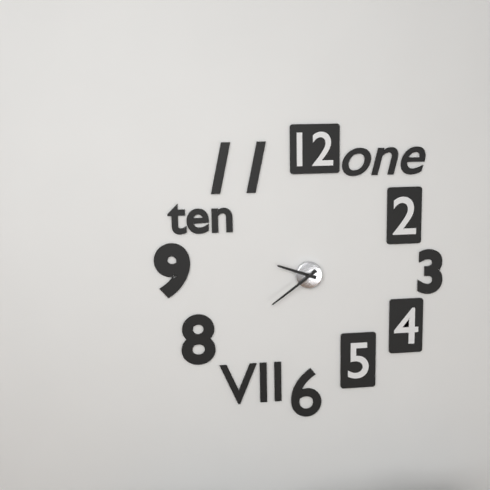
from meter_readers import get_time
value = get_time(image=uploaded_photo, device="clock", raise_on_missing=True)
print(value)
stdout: 9:39
